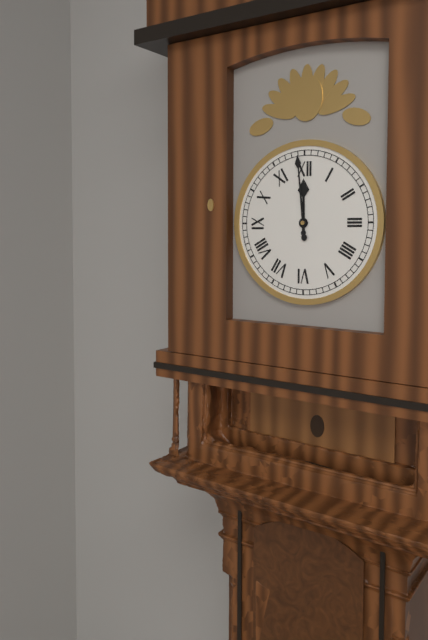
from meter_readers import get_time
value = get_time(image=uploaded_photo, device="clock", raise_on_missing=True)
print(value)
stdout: 11:59
